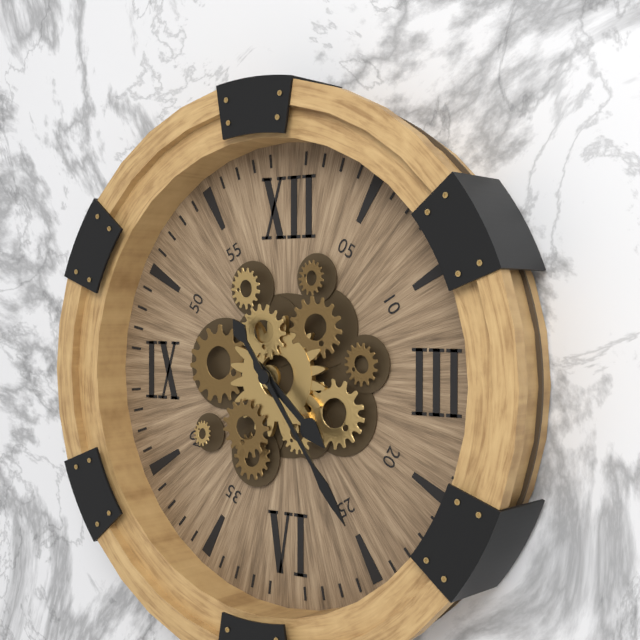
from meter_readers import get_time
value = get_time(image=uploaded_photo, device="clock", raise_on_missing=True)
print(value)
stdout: 4:24
